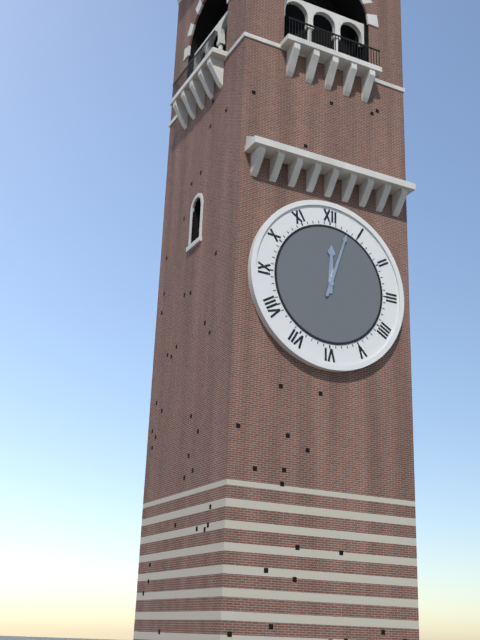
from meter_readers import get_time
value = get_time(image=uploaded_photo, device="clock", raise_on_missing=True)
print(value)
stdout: 12:03
